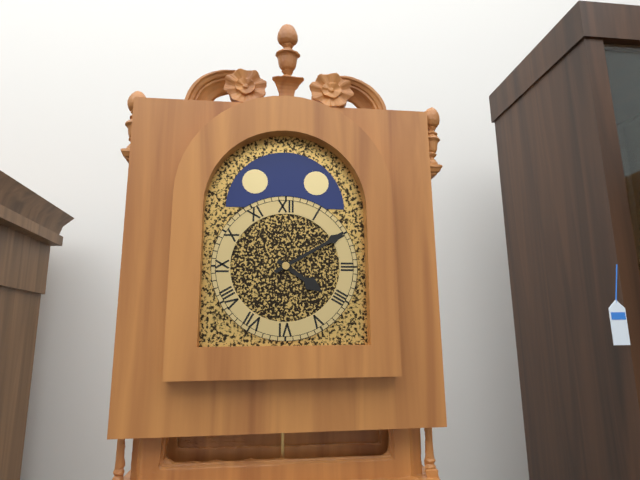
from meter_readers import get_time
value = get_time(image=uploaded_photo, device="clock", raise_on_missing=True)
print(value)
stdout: 4:10
